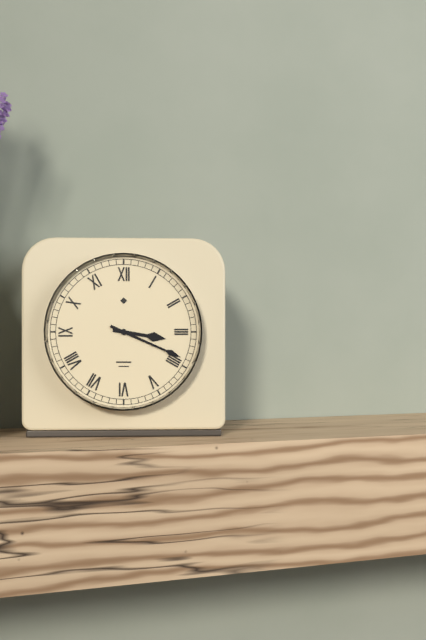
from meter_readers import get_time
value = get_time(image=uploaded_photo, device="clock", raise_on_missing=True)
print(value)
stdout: 3:19
